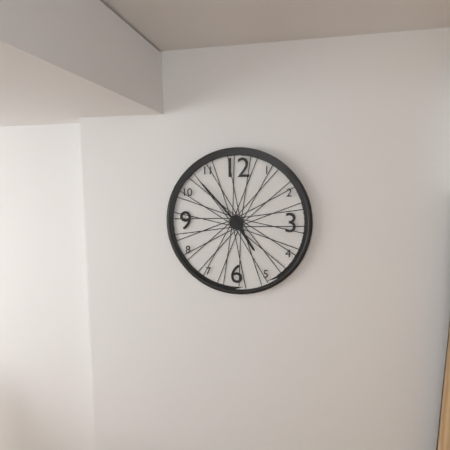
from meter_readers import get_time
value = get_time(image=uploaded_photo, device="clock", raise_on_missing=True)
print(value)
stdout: 4:53
